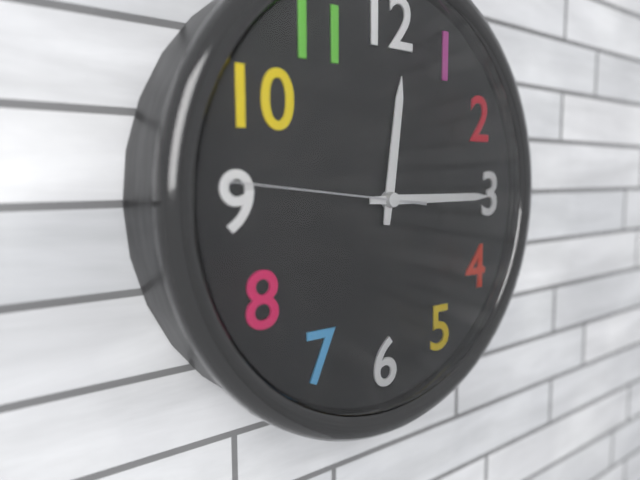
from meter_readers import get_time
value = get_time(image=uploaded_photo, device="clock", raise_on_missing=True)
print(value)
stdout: 12:15:46
